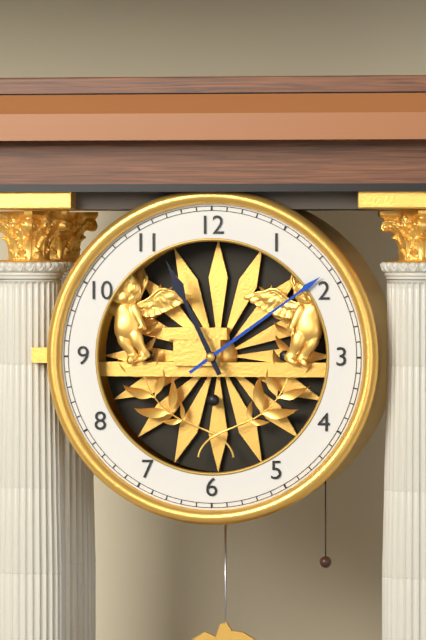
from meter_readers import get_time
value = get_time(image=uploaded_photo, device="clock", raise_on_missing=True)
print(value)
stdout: 11:09
